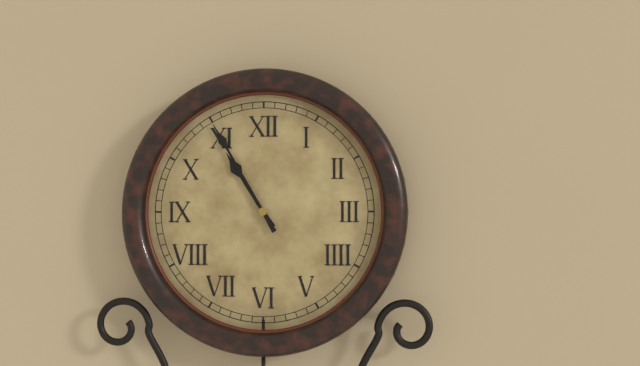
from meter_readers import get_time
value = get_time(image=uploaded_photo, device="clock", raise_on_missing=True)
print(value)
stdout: 10:55
